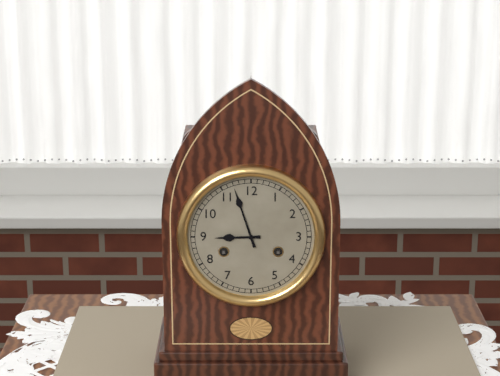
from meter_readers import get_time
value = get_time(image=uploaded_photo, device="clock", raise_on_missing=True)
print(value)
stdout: 8:57
